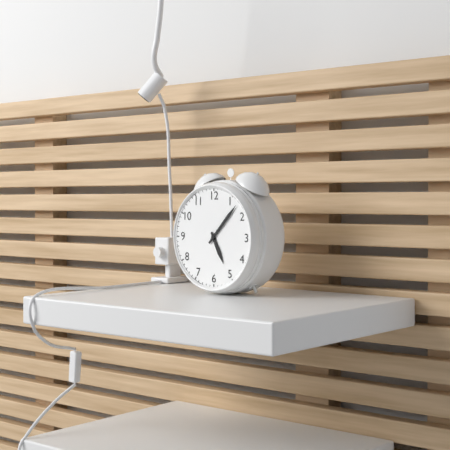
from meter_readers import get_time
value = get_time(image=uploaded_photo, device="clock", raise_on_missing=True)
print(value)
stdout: 5:07
